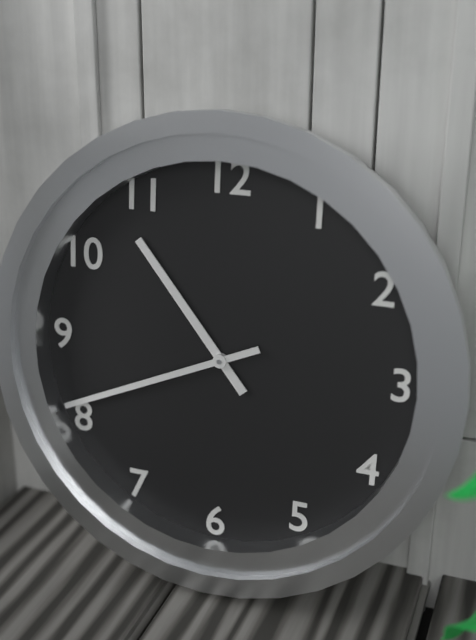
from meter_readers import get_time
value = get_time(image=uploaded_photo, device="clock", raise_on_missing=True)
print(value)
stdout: 10:41
